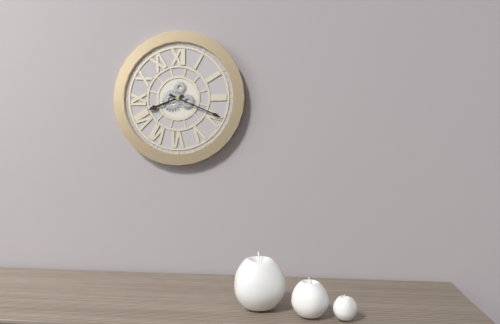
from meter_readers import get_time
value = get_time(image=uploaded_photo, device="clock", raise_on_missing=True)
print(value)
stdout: 8:19
